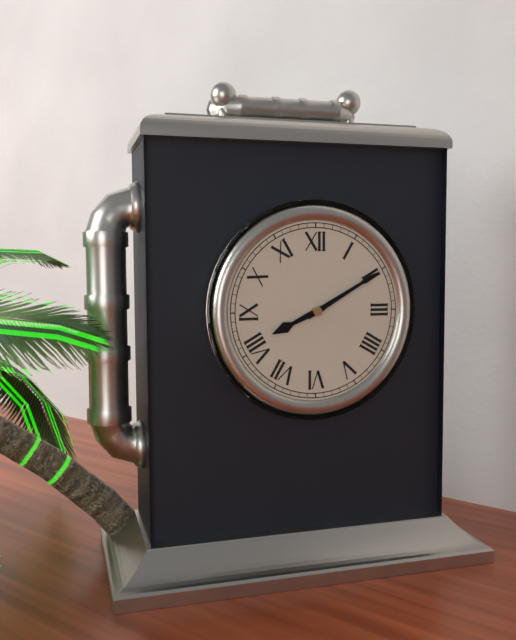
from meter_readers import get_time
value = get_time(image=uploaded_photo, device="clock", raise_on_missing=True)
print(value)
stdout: 8:10
